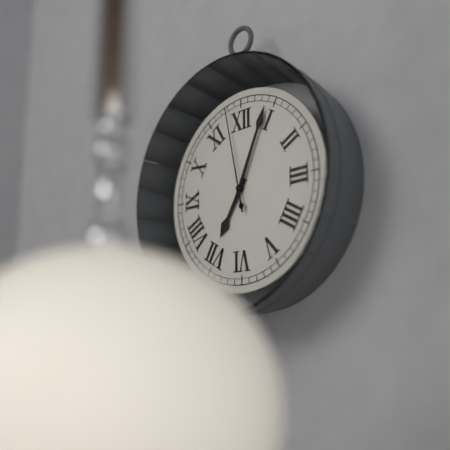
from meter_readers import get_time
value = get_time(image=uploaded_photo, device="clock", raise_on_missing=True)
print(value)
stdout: 7:04:58
